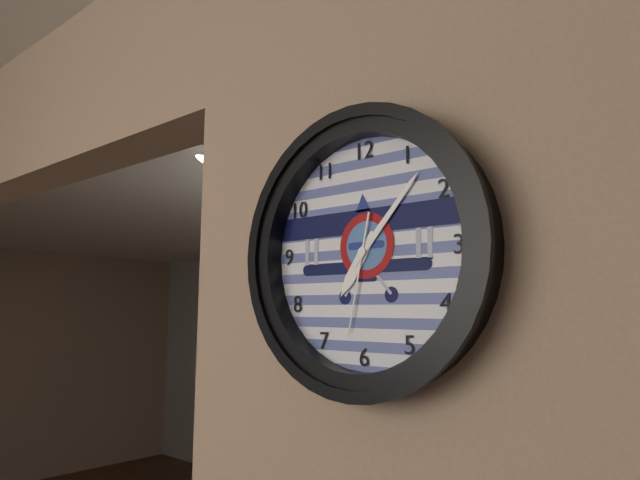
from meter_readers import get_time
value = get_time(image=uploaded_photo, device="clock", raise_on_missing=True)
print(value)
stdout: 7:07:32
